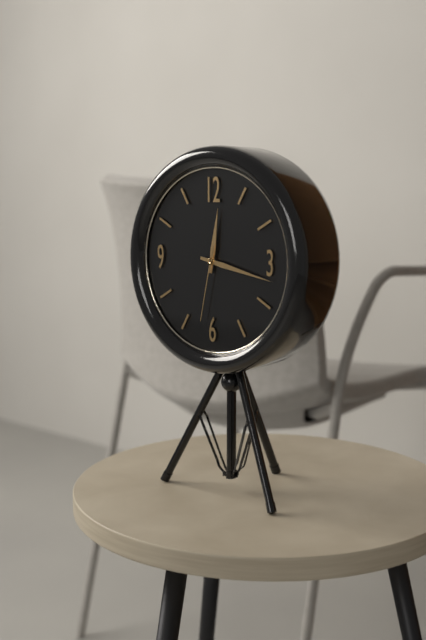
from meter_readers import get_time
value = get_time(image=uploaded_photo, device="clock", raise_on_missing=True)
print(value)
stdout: 12:17:32
